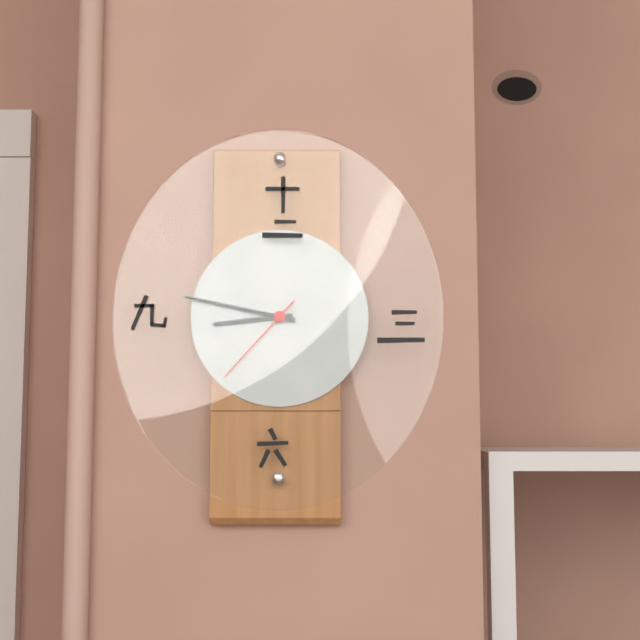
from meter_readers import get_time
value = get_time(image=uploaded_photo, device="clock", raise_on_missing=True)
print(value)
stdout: 8:47:37
